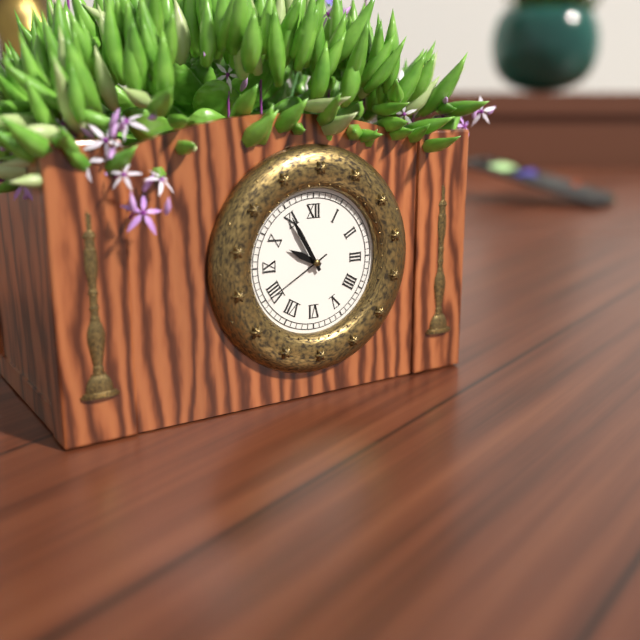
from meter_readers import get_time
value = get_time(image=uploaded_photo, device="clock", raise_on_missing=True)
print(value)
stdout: 9:55:40
